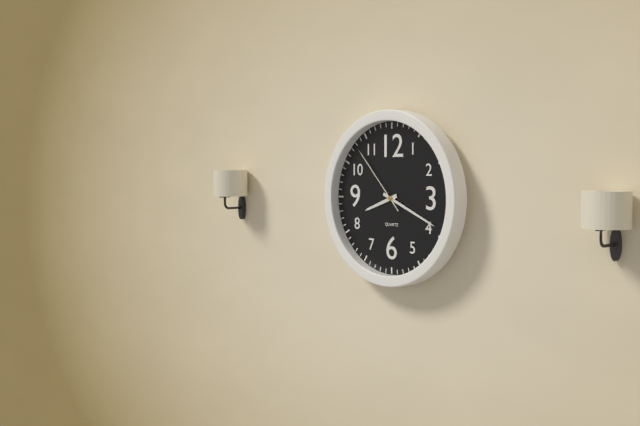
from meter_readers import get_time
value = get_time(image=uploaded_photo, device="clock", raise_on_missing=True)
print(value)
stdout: 8:19:53
